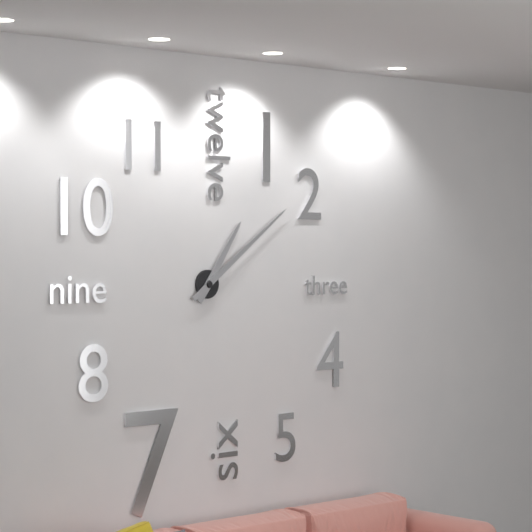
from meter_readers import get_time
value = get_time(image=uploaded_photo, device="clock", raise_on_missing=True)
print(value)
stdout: 1:09
